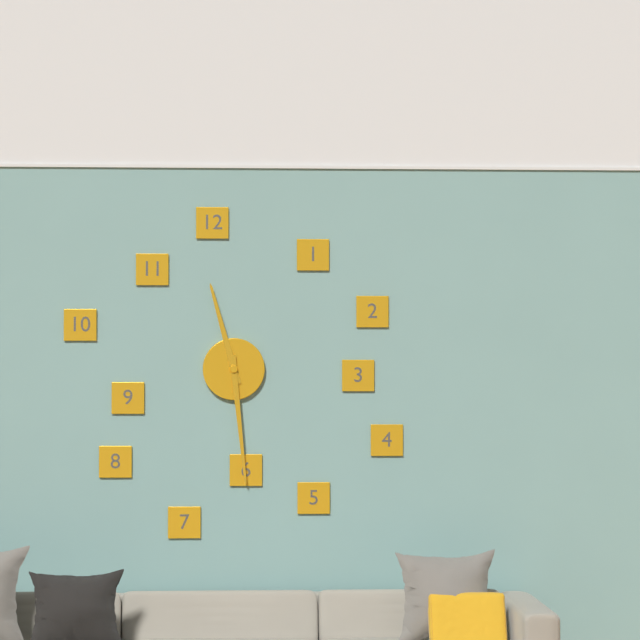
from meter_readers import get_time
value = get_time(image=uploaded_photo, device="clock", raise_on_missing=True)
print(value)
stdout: 11:29
